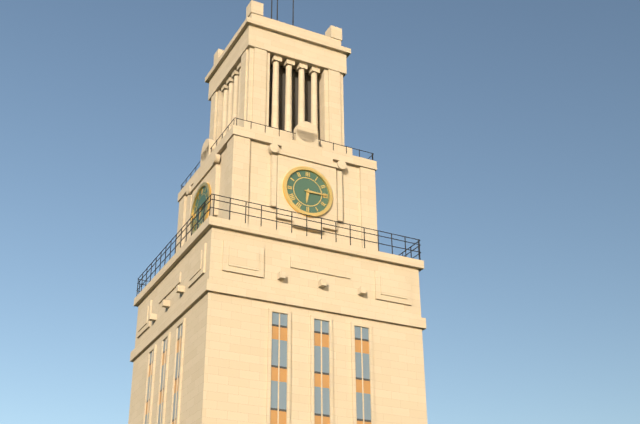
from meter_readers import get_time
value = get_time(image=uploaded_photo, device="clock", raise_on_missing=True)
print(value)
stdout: 6:15
